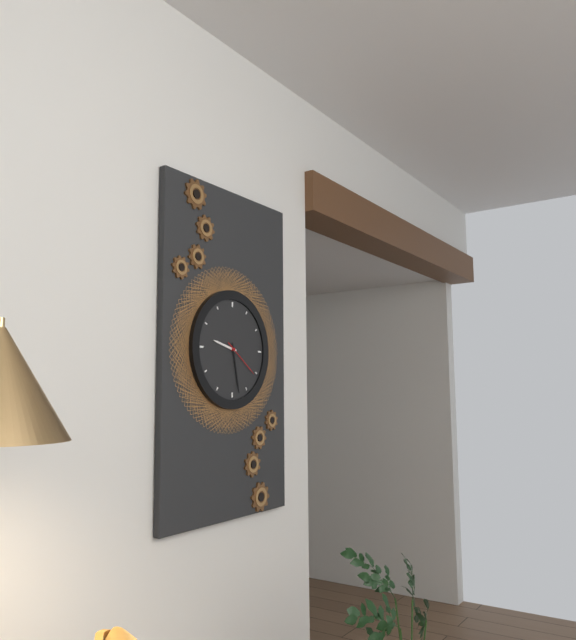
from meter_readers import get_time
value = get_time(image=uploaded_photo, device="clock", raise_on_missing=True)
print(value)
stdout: 9:28:21
